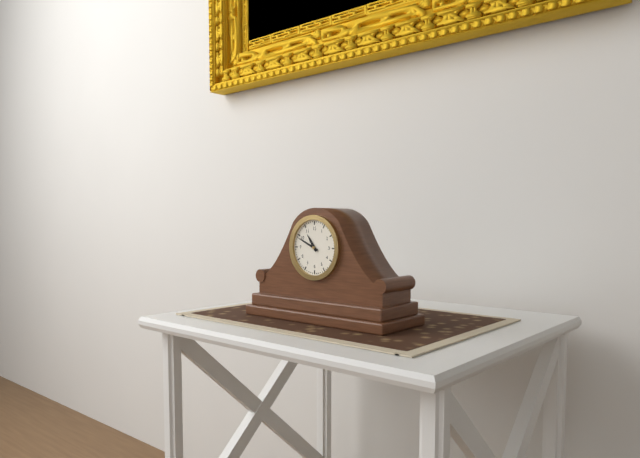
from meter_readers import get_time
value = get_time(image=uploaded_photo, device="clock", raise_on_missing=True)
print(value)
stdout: 10:49
